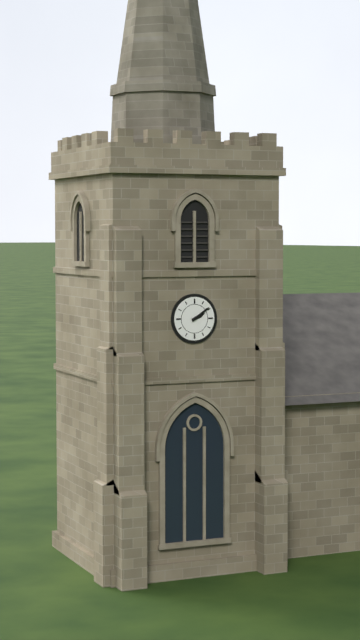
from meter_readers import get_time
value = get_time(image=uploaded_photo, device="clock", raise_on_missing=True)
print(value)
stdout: 2:09
